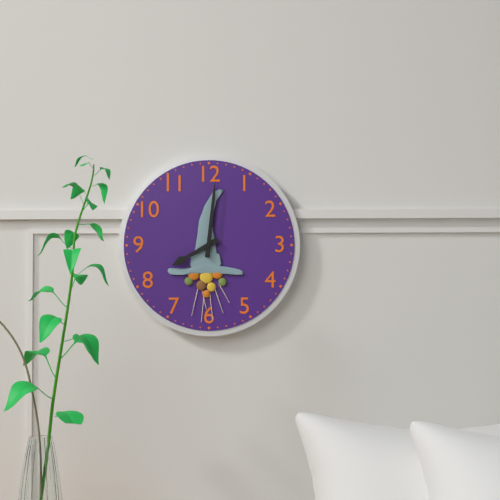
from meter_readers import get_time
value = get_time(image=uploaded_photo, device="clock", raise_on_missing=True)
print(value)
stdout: 8:01
